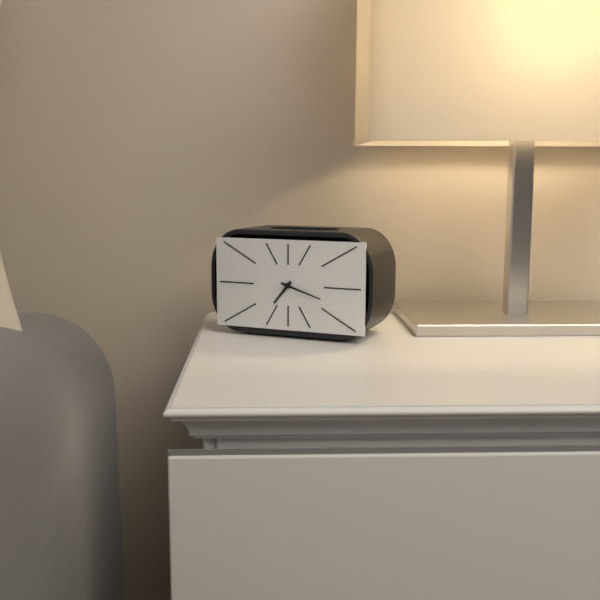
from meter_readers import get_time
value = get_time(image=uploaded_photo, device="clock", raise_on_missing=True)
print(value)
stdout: 7:18
